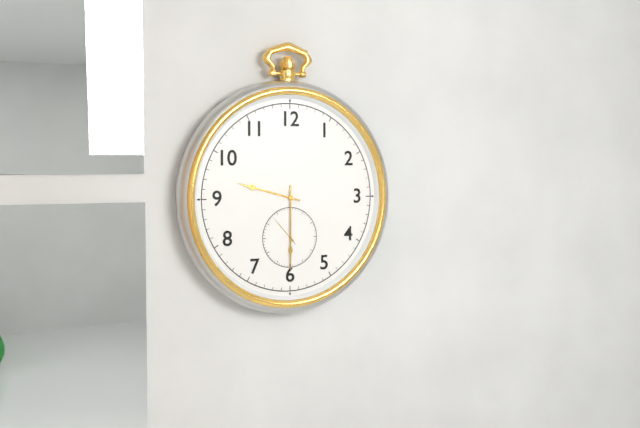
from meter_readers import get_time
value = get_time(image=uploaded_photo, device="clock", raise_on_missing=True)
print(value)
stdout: 9:30
